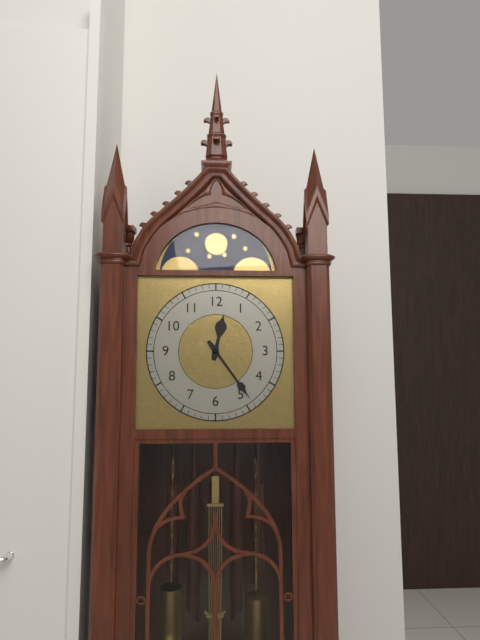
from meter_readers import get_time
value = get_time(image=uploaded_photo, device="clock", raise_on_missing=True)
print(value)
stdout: 12:24
